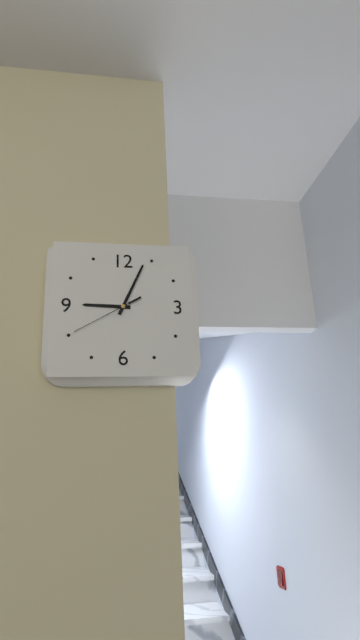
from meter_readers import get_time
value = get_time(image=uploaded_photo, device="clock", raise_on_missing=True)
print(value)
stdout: 9:04:40
